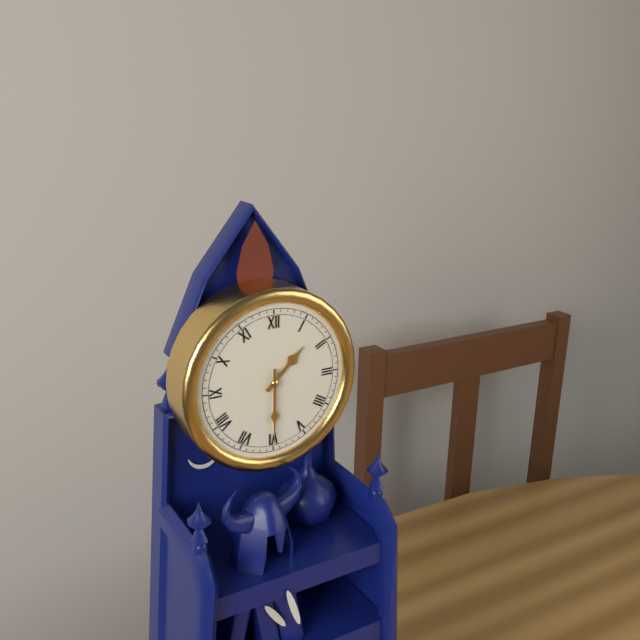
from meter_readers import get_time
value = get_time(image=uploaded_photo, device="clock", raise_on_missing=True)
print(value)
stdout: 1:30
